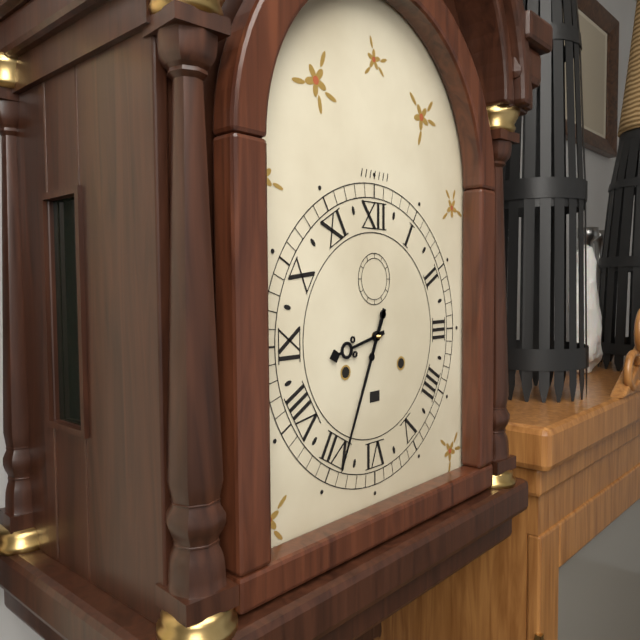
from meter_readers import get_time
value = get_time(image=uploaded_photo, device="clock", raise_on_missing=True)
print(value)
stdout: 8:34
